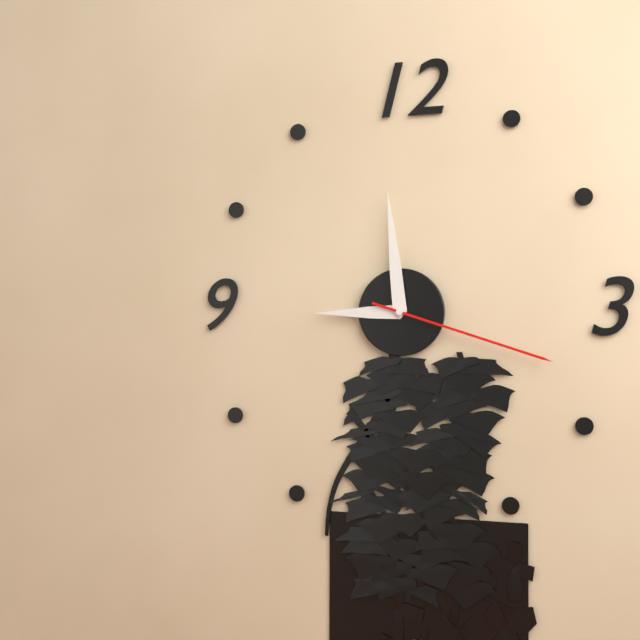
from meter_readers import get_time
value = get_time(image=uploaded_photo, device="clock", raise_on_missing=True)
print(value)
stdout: 8:59:18
